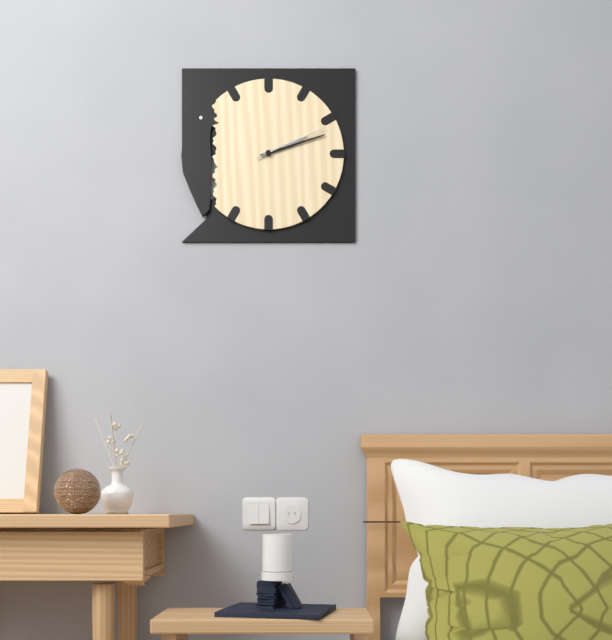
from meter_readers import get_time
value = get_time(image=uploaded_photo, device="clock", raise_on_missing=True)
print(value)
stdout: 2:12:11
